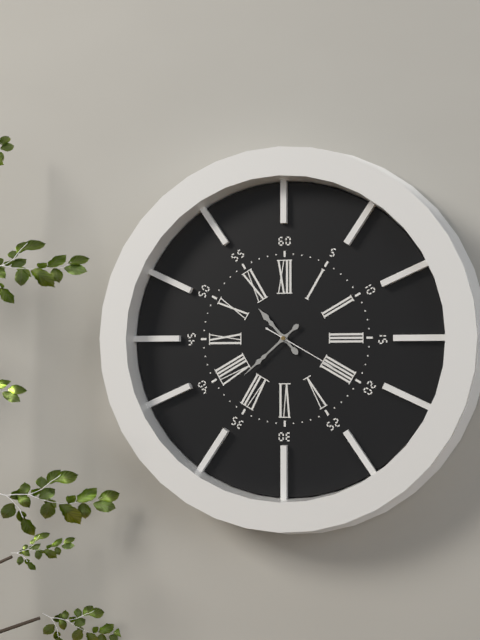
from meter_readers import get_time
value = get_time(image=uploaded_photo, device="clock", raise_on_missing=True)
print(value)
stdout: 10:38:20
